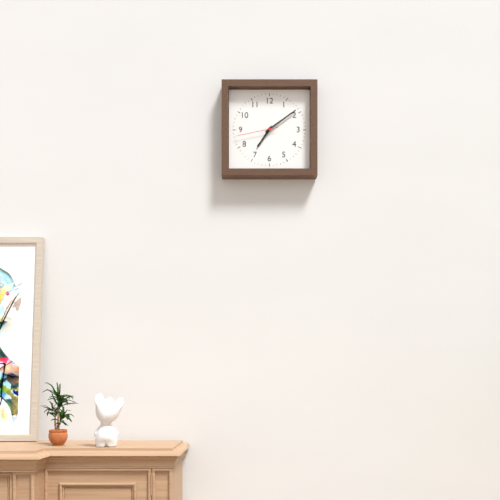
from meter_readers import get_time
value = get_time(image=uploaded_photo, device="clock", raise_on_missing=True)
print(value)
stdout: 7:09
